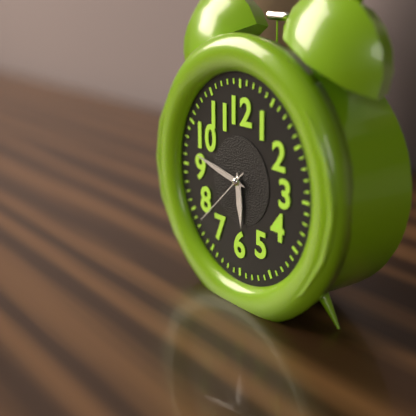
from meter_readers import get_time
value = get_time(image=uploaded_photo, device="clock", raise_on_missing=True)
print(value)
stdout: 5:47:38
